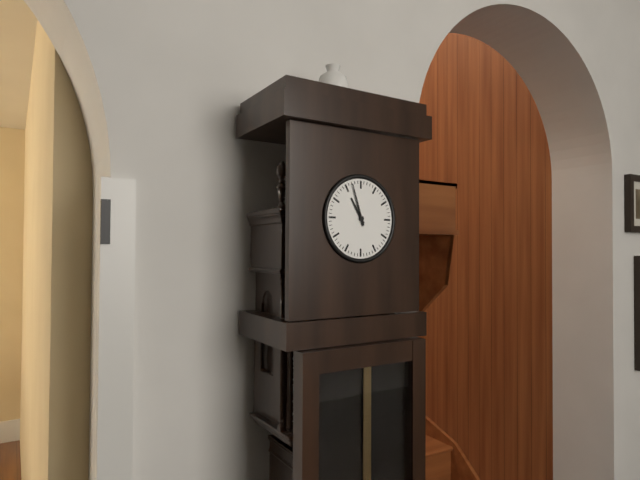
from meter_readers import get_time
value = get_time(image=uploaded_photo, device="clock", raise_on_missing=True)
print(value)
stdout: 10:57
